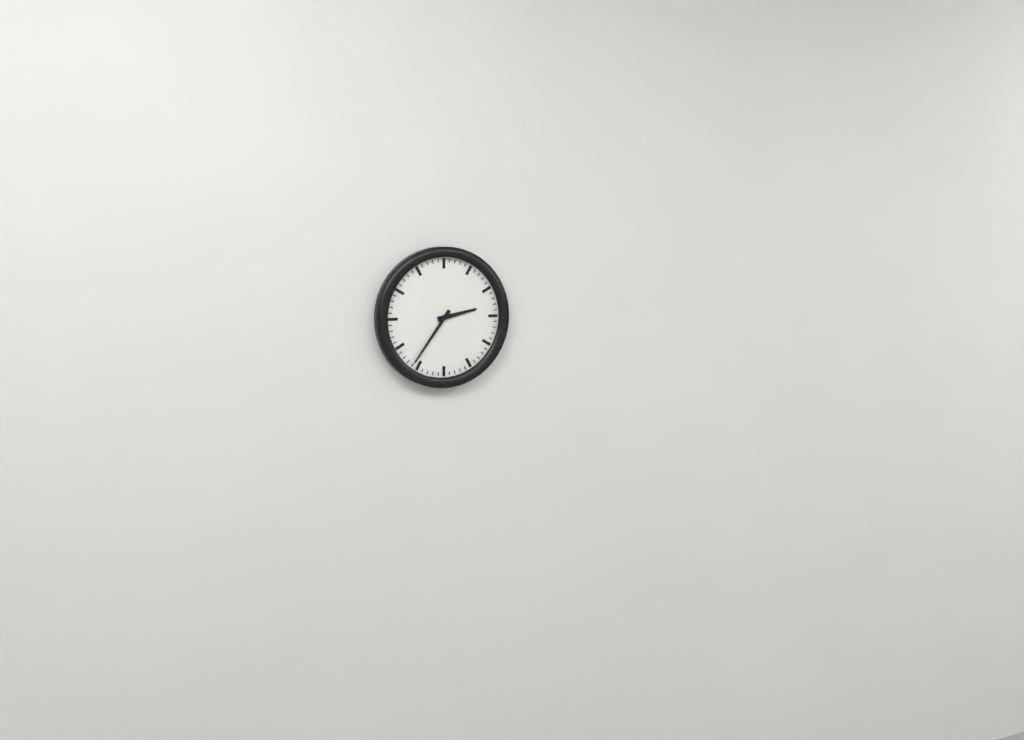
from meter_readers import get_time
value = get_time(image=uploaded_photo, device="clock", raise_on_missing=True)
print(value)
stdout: 2:36
